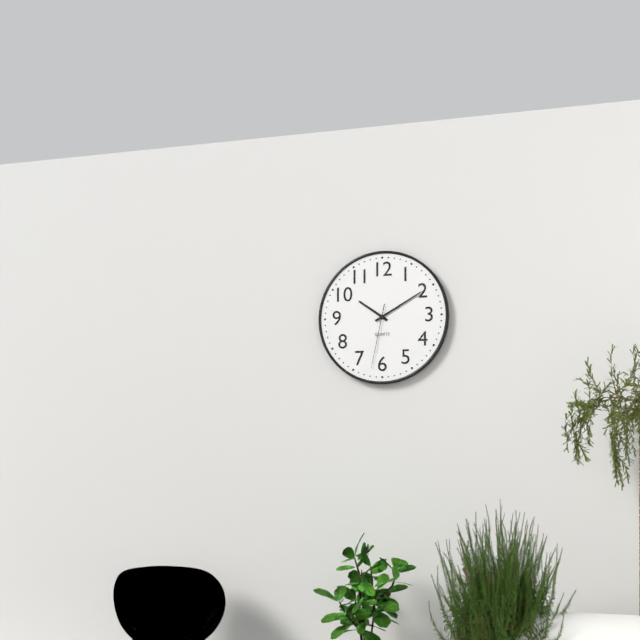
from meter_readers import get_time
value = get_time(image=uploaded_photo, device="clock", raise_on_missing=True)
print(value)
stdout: 10:10:32
